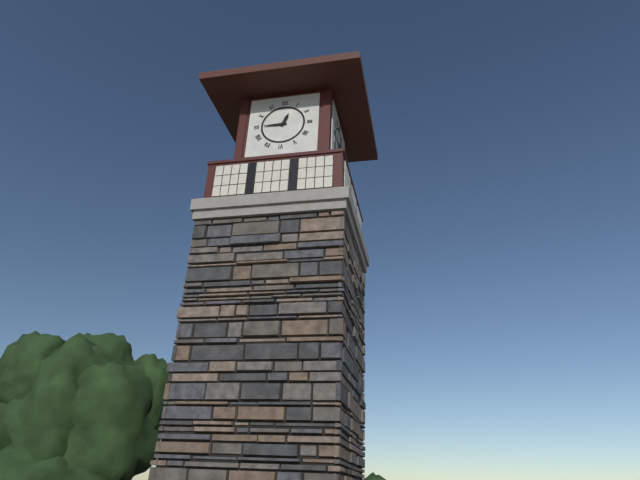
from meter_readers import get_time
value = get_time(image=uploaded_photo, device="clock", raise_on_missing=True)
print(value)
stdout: 12:45
